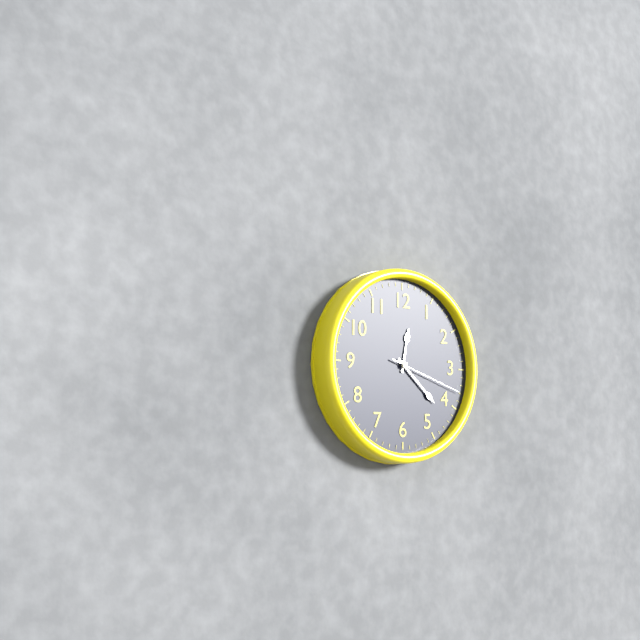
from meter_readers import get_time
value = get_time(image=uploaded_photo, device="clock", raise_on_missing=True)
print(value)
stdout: 12:22:18
